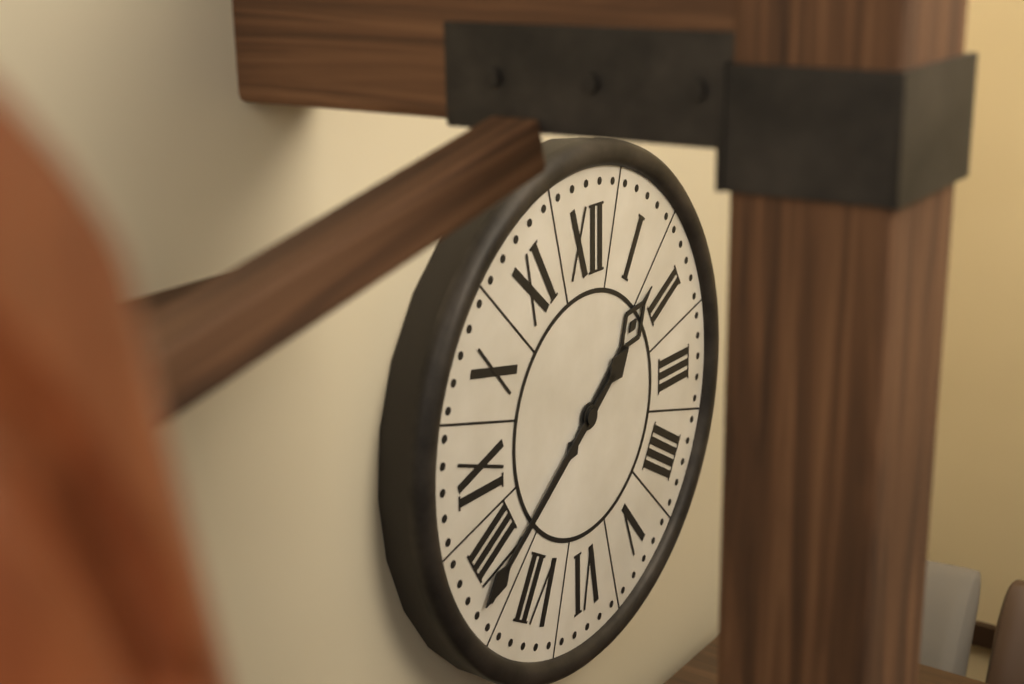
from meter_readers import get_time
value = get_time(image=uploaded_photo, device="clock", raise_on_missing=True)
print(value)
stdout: 1:39
